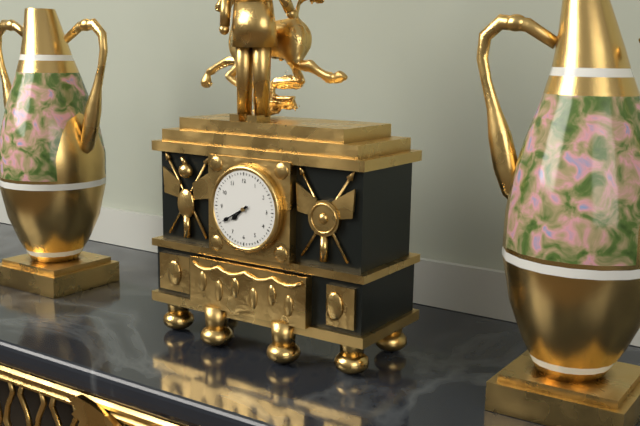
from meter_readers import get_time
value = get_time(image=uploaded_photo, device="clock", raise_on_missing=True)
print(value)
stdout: 7:40
